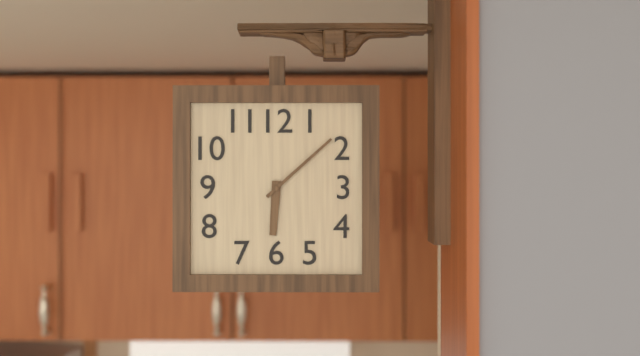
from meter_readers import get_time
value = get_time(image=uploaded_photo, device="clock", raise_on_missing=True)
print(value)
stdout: 6:08
